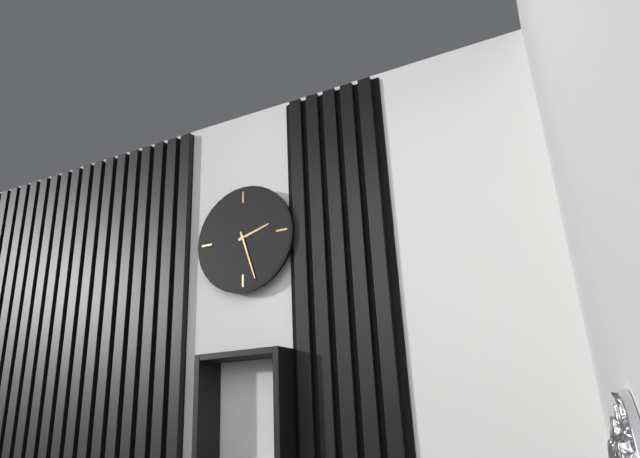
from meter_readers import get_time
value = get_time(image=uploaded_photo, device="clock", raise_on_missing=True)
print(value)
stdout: 2:27
